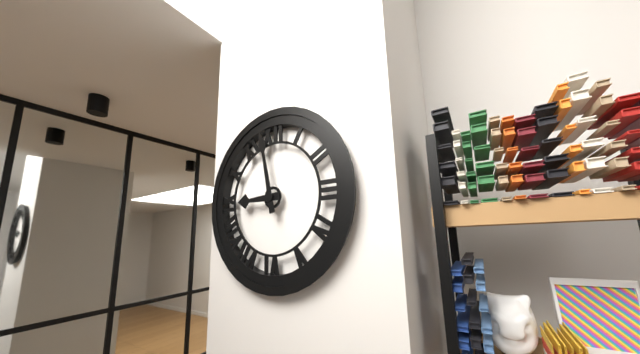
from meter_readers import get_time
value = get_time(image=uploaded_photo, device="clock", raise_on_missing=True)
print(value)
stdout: 8:58
